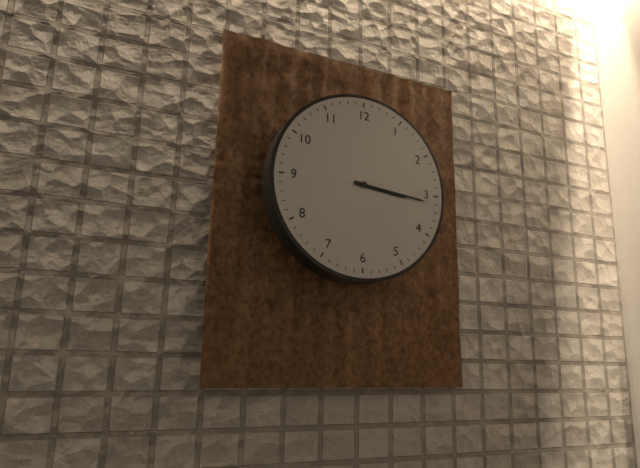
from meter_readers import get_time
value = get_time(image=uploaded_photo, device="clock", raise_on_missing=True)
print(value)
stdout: 3:16
